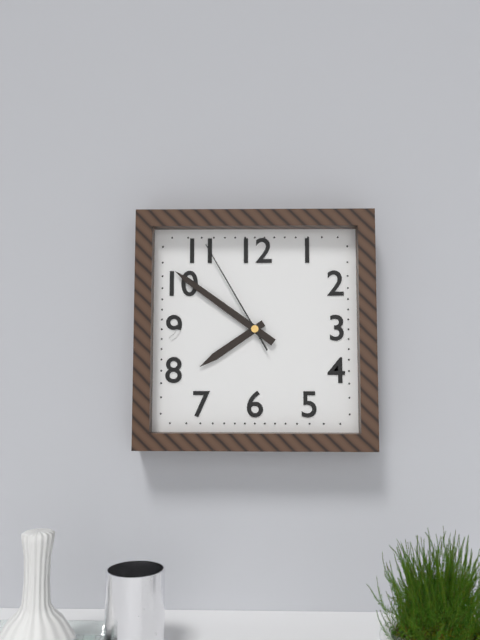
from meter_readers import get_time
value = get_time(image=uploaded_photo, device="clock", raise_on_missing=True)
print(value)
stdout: 7:51:55
